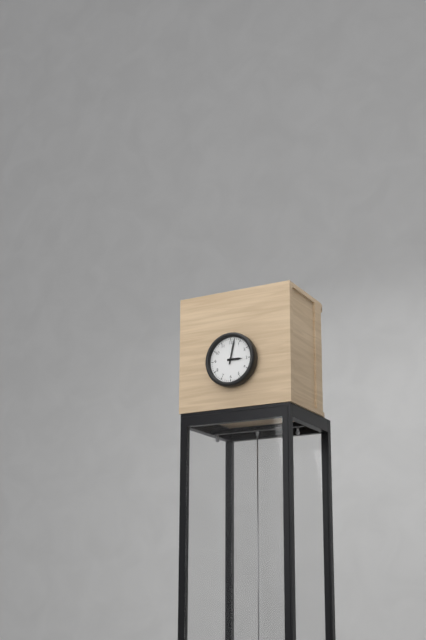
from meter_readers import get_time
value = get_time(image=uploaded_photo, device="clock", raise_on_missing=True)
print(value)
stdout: 3:02
